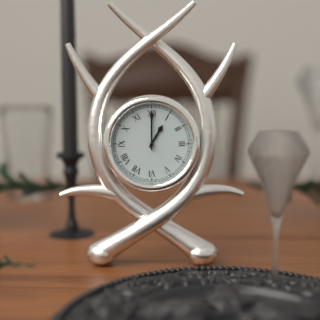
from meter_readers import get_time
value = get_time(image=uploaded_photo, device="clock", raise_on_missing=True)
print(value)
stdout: 1:00
